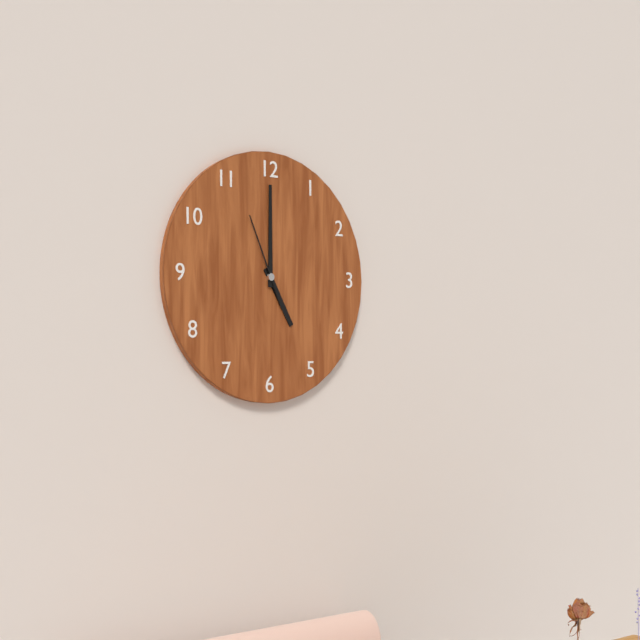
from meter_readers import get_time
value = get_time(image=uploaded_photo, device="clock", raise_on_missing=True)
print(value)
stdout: 5:00:56
